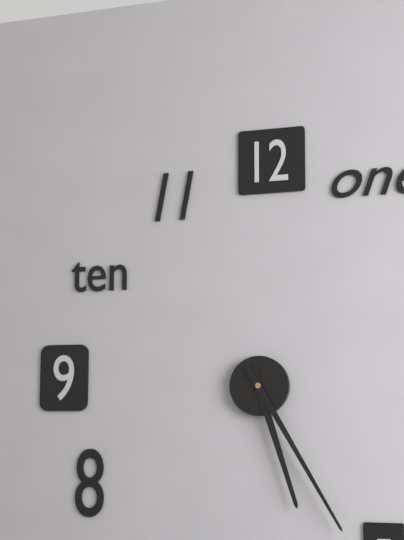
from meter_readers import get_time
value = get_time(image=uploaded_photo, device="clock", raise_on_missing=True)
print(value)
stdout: 5:25
